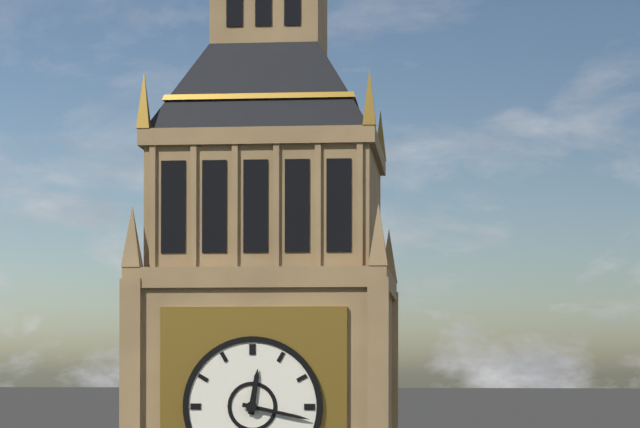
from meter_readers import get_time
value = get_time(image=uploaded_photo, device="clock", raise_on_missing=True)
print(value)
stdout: 12:17
